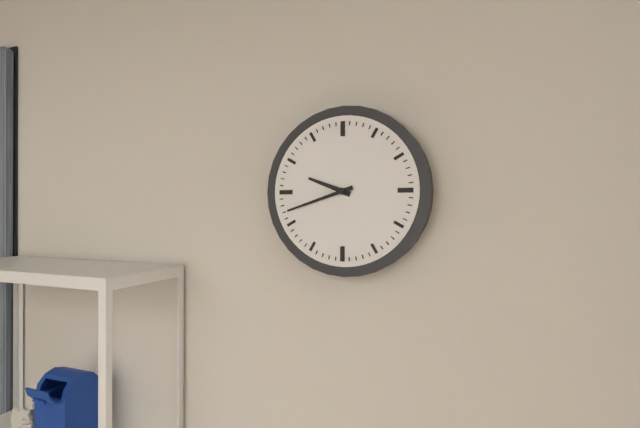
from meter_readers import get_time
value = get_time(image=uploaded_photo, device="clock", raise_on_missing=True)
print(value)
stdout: 9:42
